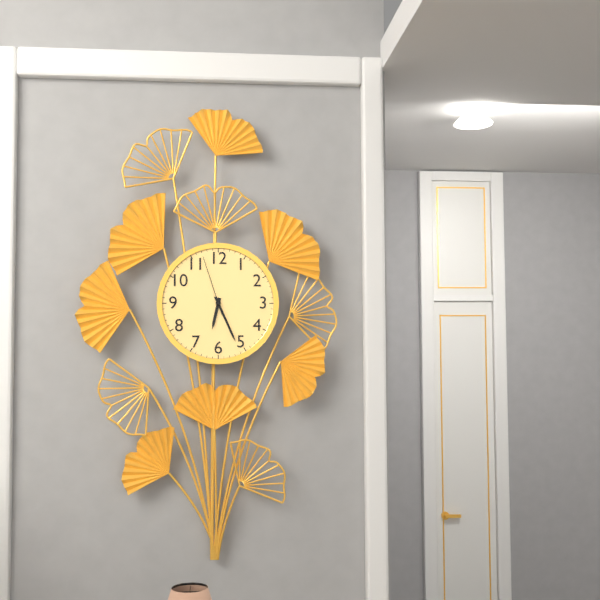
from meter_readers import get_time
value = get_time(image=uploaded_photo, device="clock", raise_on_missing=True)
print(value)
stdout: 6:26:57
